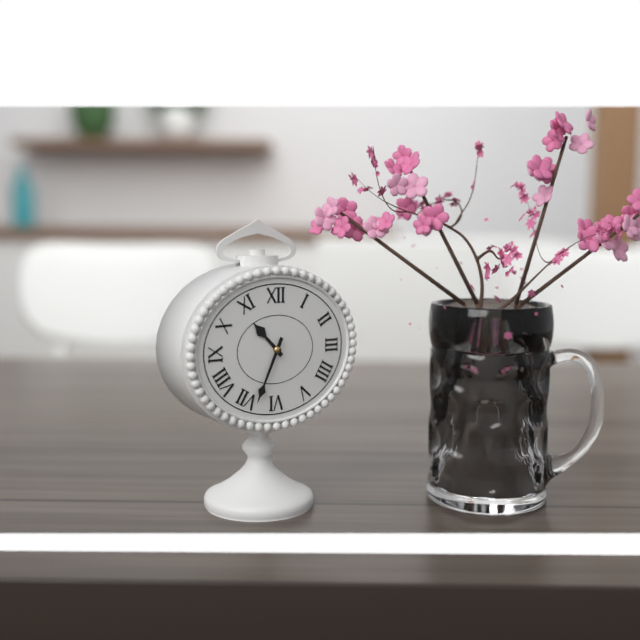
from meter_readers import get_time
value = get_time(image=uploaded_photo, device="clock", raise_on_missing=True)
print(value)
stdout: 10:34
